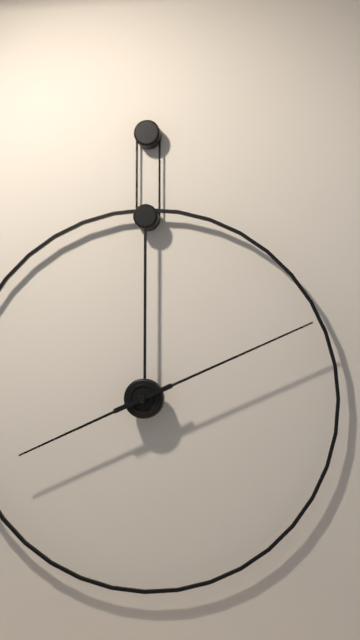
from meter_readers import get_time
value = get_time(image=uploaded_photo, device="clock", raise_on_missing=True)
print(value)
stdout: 8:11
